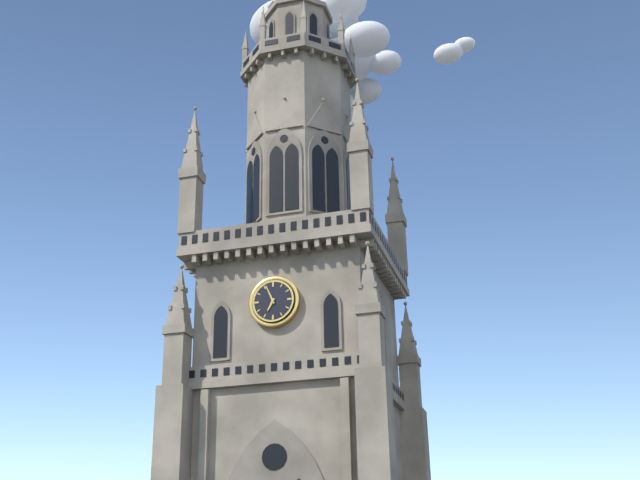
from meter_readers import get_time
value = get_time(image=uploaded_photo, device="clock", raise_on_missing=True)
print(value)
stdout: 6:56
